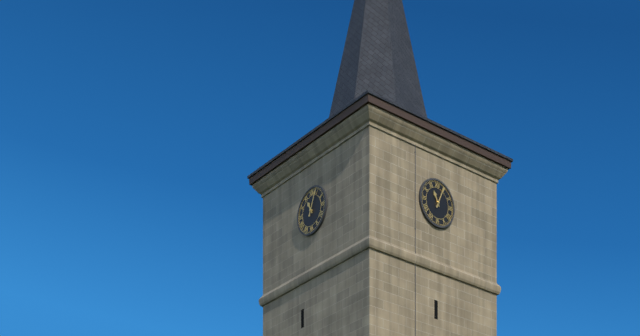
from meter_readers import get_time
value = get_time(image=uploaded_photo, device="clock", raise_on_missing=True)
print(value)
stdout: 11:04
